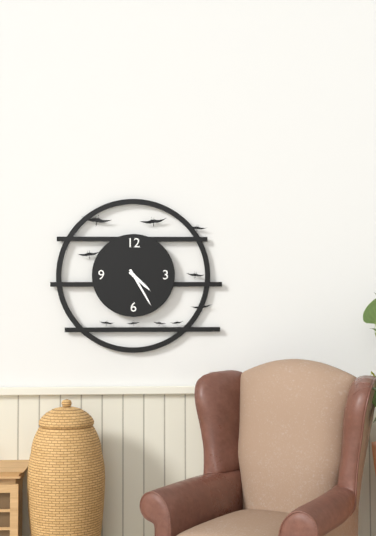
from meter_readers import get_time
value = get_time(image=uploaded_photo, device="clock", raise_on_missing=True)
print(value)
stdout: 4:25
